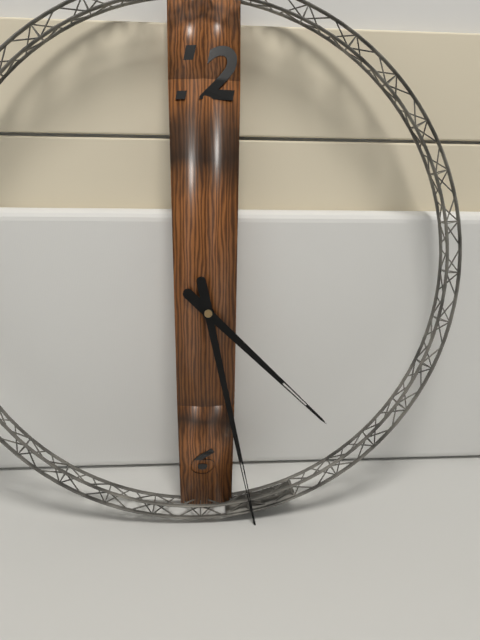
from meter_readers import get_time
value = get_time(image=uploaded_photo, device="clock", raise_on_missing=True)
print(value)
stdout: 4:28
